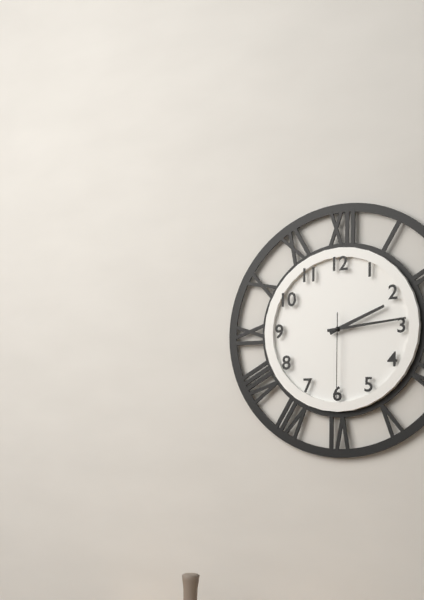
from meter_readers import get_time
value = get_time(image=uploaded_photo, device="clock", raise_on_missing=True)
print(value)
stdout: 2:14:30
